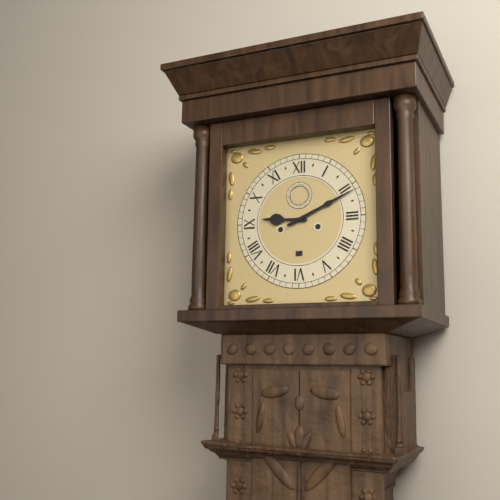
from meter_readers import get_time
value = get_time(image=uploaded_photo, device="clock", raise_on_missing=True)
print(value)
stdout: 9:11
